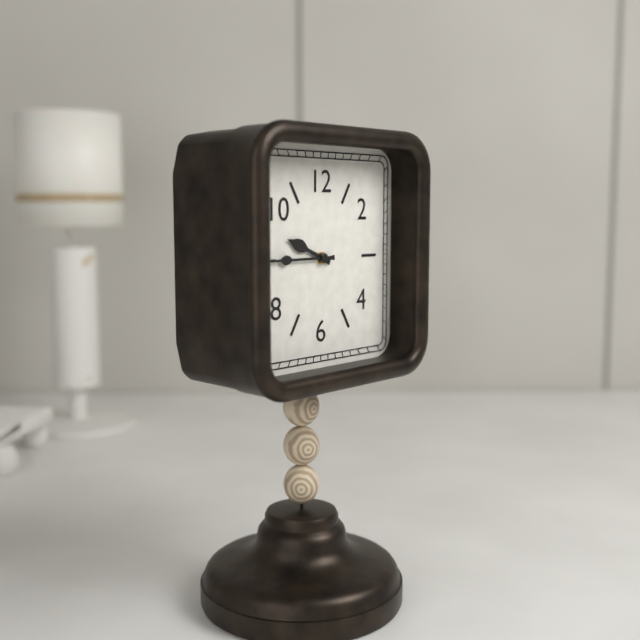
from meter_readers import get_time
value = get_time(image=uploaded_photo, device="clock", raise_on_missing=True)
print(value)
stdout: 9:45
